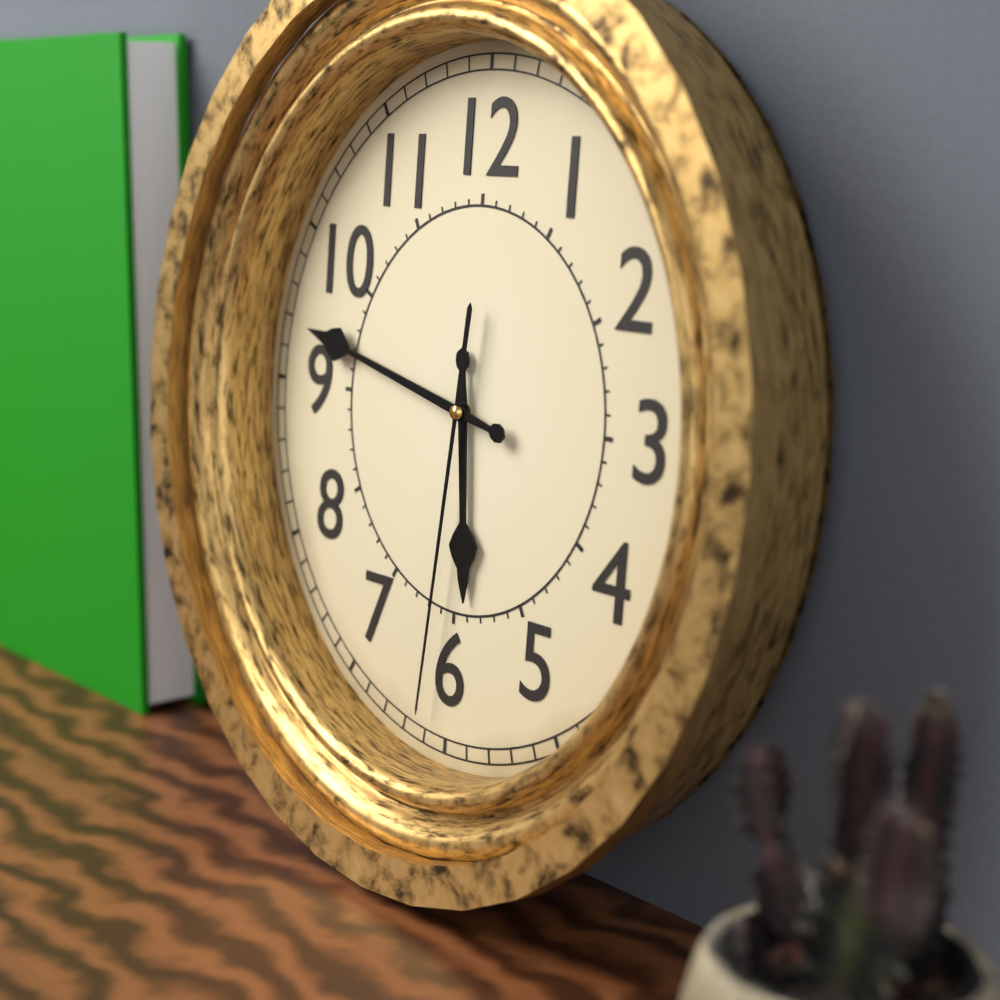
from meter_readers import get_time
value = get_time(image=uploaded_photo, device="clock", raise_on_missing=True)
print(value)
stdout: 5:47:31
